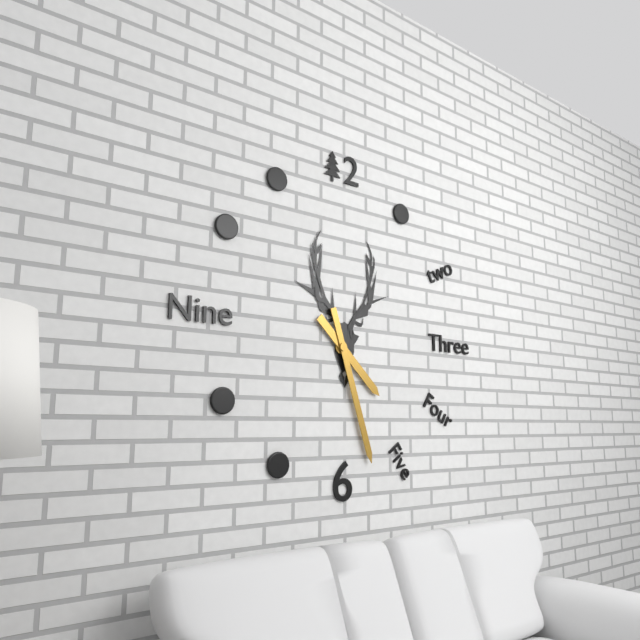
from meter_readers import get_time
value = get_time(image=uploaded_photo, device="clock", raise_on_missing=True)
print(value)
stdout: 4:27
